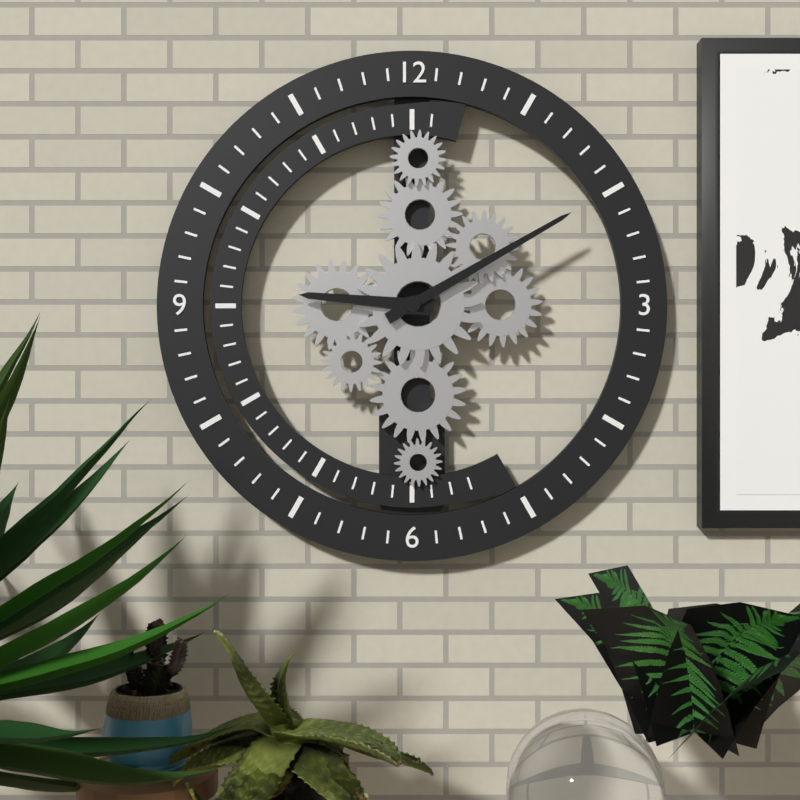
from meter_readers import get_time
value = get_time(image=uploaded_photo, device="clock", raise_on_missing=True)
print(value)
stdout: 9:10
